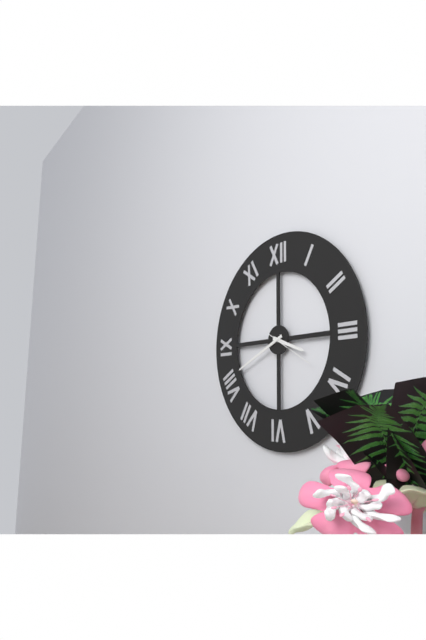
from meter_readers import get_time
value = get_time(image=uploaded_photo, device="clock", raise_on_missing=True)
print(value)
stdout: 3:41
